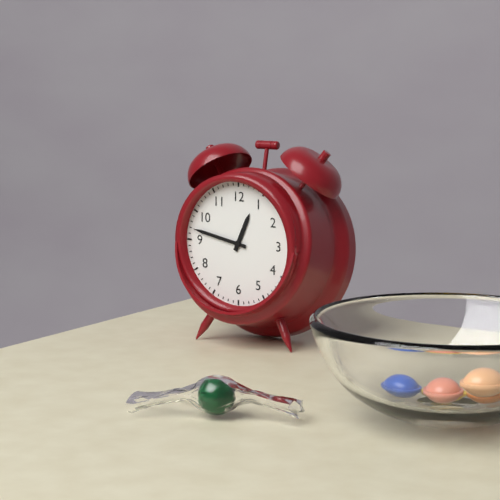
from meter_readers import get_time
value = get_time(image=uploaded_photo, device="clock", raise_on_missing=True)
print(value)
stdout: 12:47
